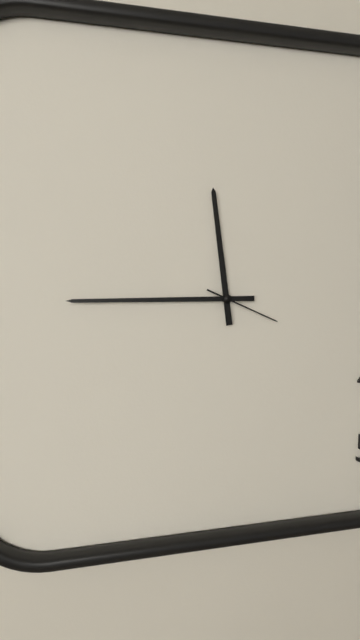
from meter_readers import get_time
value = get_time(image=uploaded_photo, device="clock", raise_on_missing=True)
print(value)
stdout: 11:45:19
